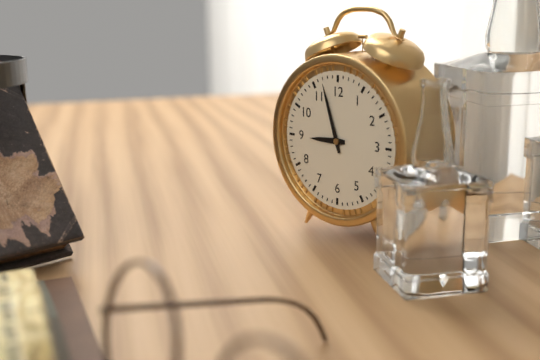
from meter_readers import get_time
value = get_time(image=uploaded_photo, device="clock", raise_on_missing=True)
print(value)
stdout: 8:57
